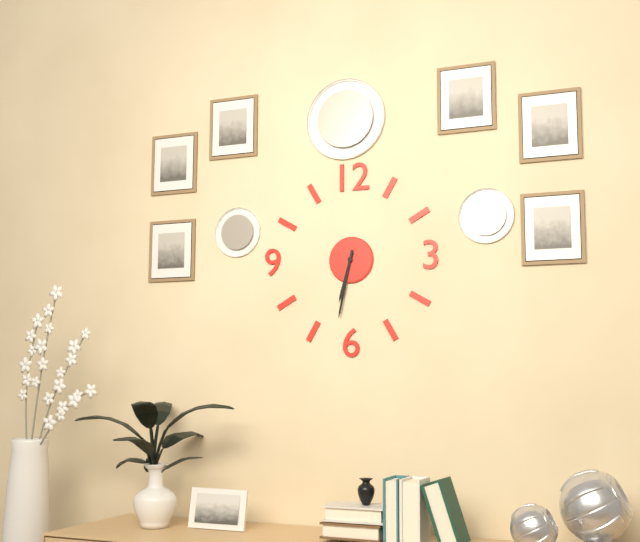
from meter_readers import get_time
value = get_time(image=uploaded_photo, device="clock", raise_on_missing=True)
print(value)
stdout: 6:32
